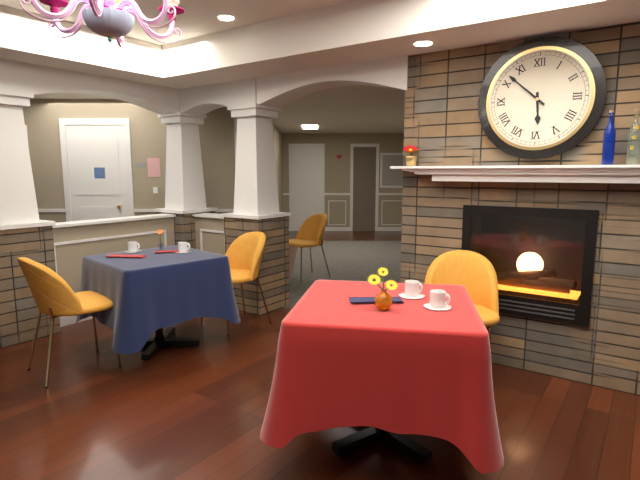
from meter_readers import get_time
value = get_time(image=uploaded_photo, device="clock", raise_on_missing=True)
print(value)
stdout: 5:52
